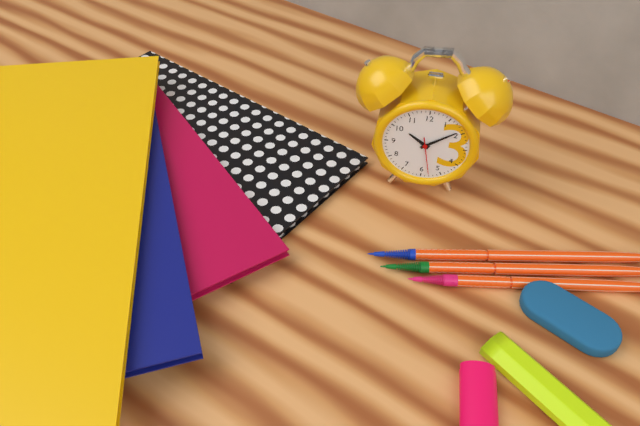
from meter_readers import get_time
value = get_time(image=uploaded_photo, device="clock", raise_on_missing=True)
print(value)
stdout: 10:09
